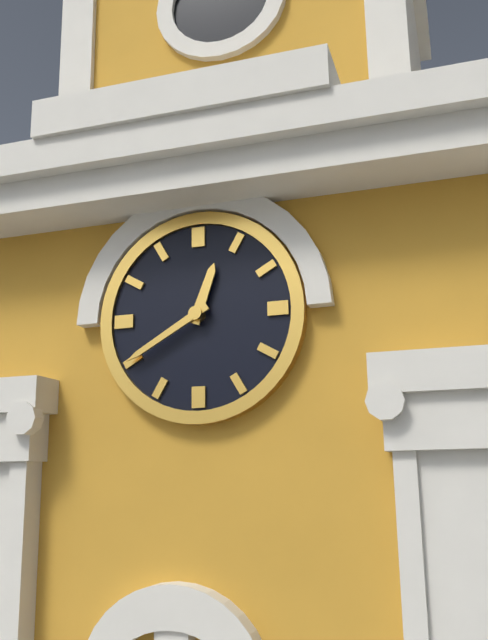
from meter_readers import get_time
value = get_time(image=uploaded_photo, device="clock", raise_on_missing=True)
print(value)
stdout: 12:40
